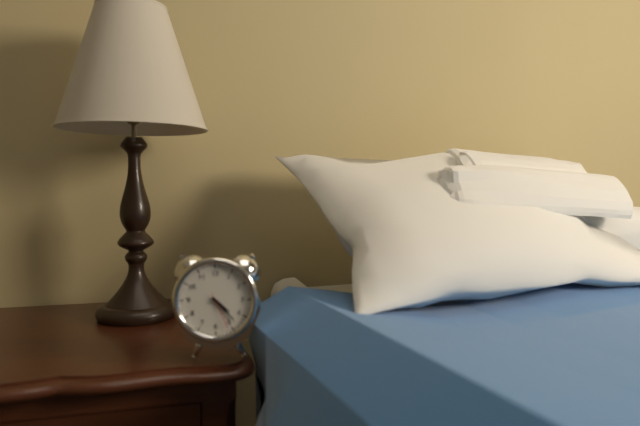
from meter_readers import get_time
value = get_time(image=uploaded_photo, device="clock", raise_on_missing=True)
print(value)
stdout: 4:23
